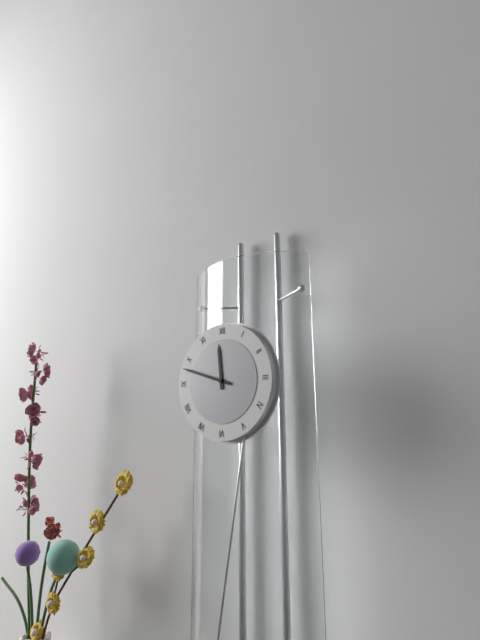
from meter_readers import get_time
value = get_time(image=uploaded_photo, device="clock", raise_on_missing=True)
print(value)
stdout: 11:48
